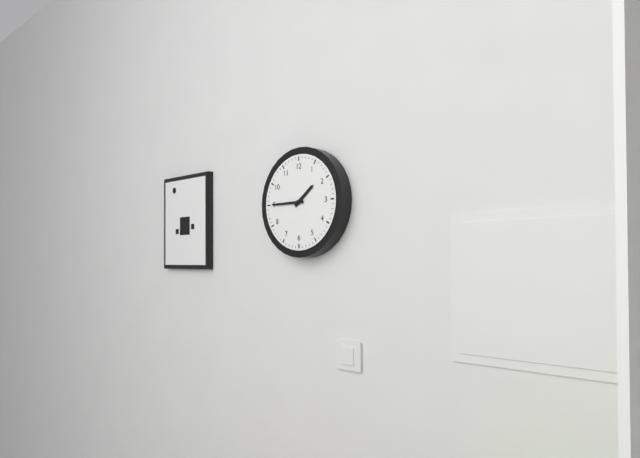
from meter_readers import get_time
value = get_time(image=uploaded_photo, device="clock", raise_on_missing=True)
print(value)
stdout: 1:45
